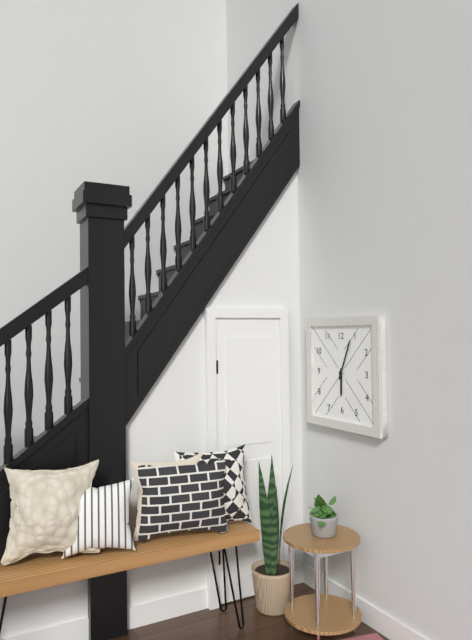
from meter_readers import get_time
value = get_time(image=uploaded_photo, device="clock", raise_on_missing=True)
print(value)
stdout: 6:04
